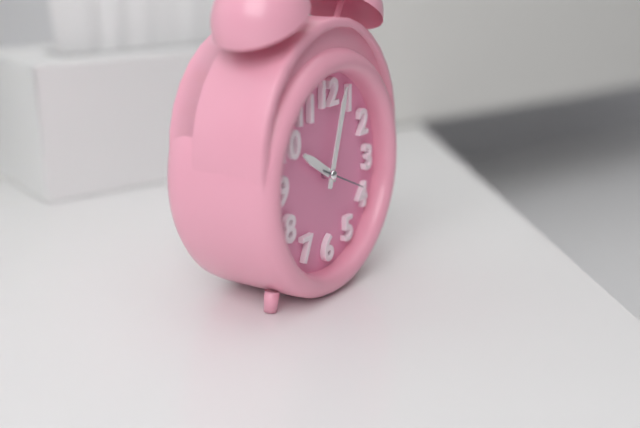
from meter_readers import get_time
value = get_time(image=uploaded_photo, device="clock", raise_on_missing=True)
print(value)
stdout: 10:03
